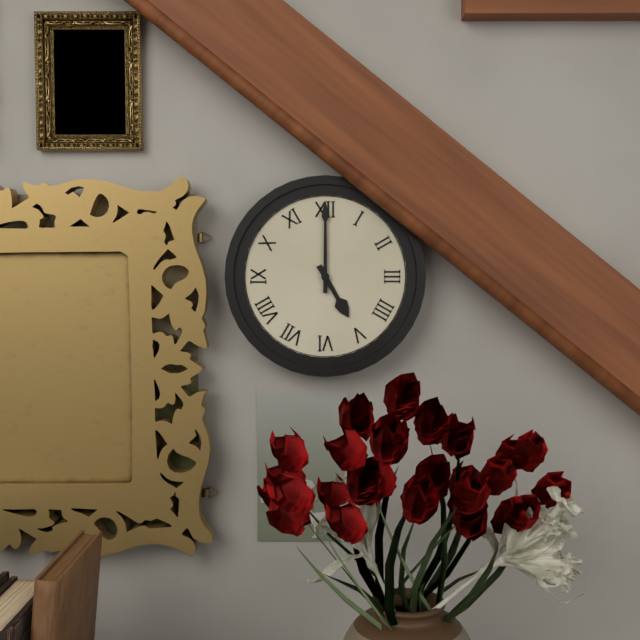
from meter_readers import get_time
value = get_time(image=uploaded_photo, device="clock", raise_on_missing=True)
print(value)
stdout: 5:00
